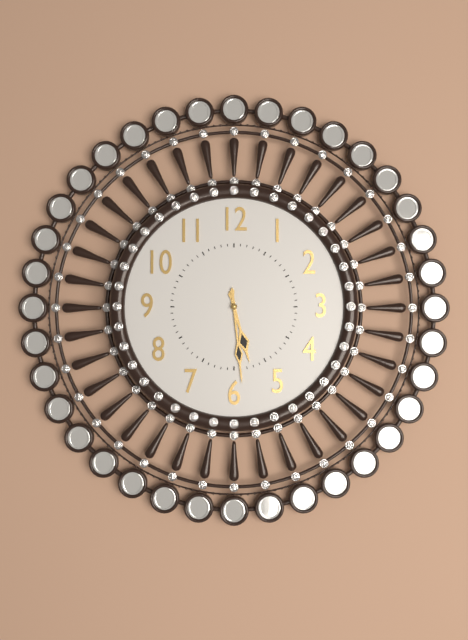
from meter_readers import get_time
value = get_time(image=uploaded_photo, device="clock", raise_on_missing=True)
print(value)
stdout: 5:29
